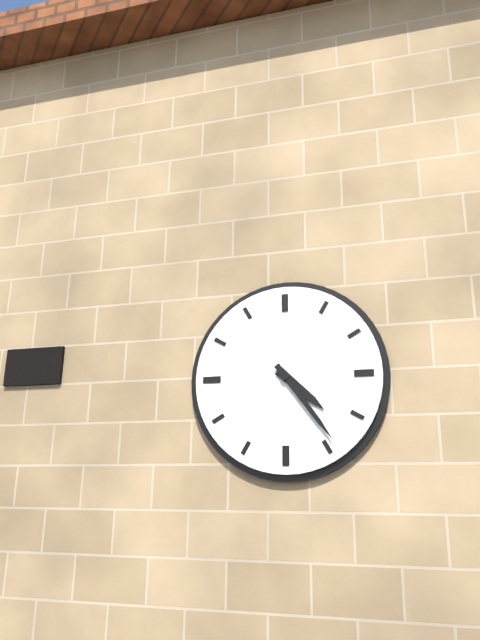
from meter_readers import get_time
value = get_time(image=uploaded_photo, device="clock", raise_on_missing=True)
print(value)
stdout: 4:24
